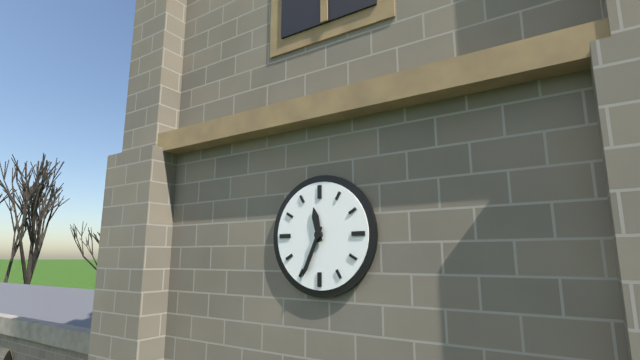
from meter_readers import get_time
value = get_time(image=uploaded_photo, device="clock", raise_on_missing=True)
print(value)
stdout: 11:34
